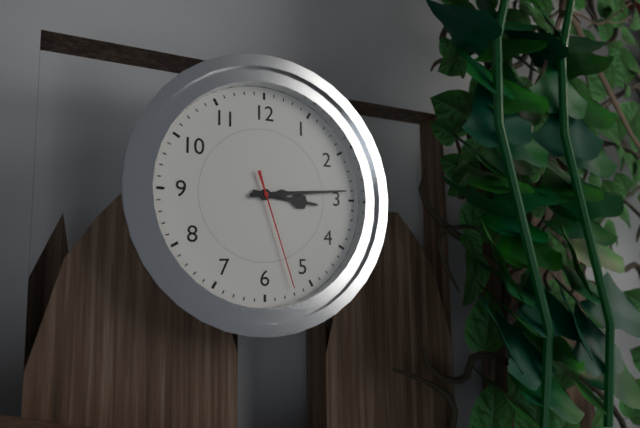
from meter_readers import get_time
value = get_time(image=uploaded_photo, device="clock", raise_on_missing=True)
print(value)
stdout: 3:14:27
